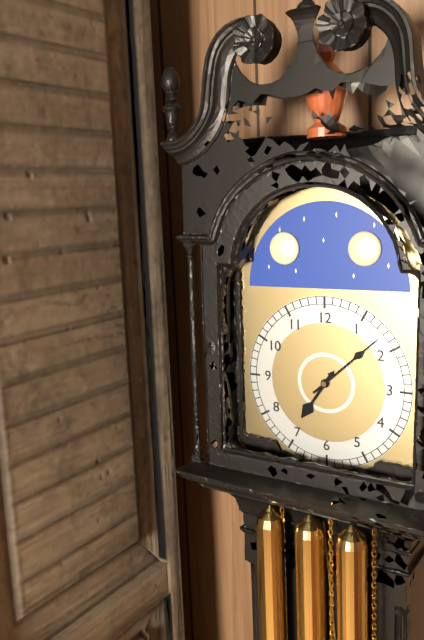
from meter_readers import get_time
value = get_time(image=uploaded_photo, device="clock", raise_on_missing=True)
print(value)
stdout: 7:08
